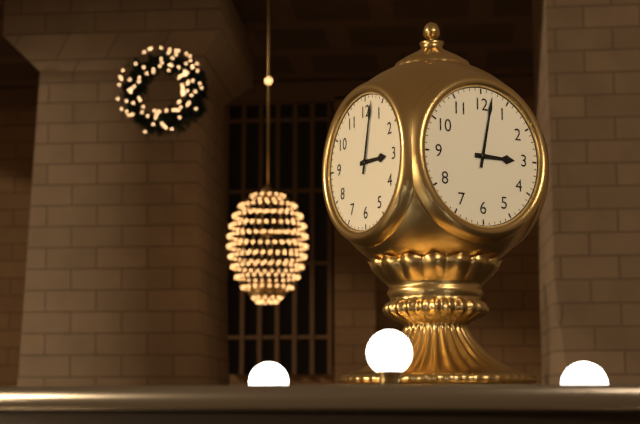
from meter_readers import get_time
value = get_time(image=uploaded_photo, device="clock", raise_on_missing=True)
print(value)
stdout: 3:02
